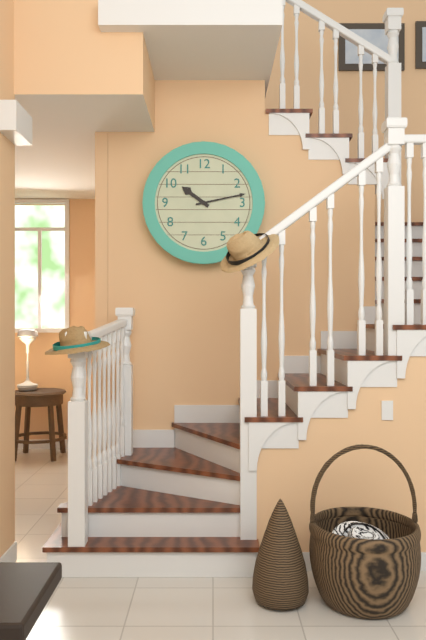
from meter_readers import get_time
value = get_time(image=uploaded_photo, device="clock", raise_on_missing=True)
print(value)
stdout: 10:13
